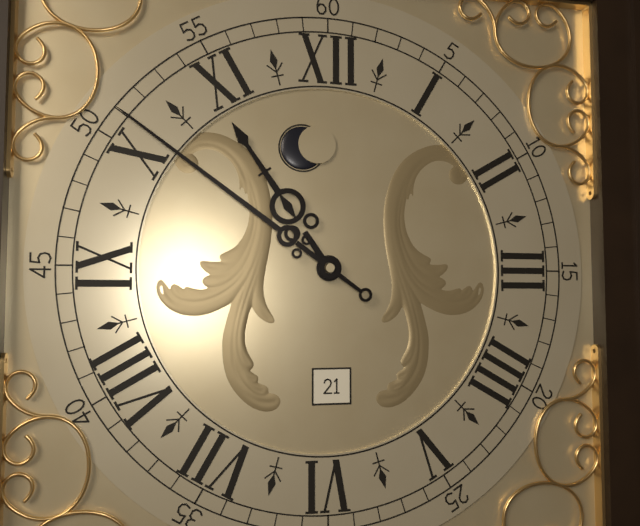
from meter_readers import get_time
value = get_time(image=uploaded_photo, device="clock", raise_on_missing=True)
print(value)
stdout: 10:51
